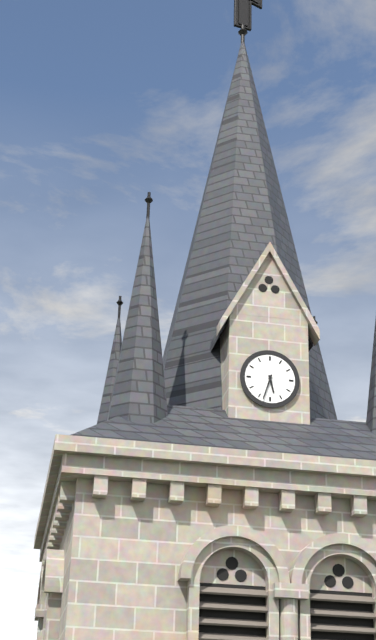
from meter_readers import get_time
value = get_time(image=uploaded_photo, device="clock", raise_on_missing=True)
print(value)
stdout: 5:33
